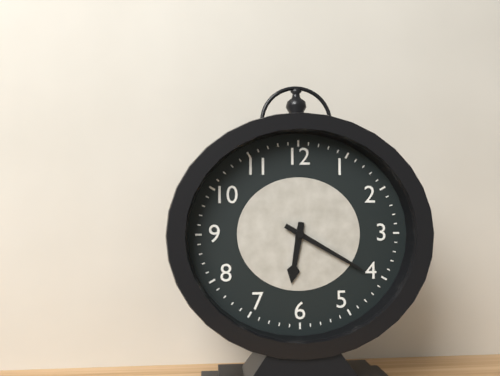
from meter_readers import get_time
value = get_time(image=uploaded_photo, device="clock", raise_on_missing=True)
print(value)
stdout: 6:20
